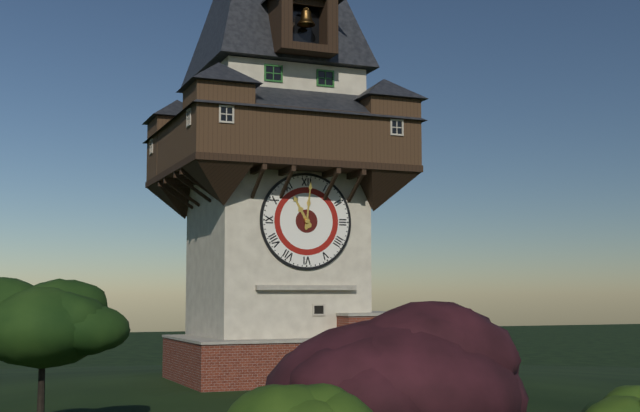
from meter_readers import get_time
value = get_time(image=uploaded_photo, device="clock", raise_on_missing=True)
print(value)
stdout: 11:01
